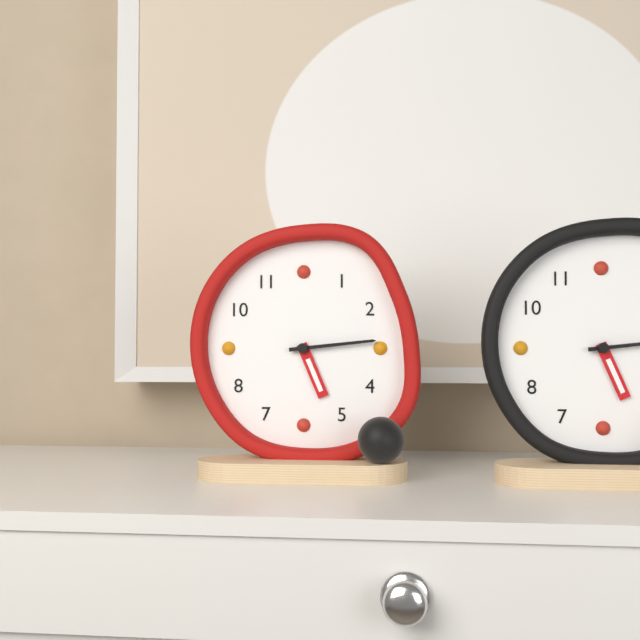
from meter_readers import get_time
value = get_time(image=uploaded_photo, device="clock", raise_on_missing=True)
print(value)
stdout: 5:14
